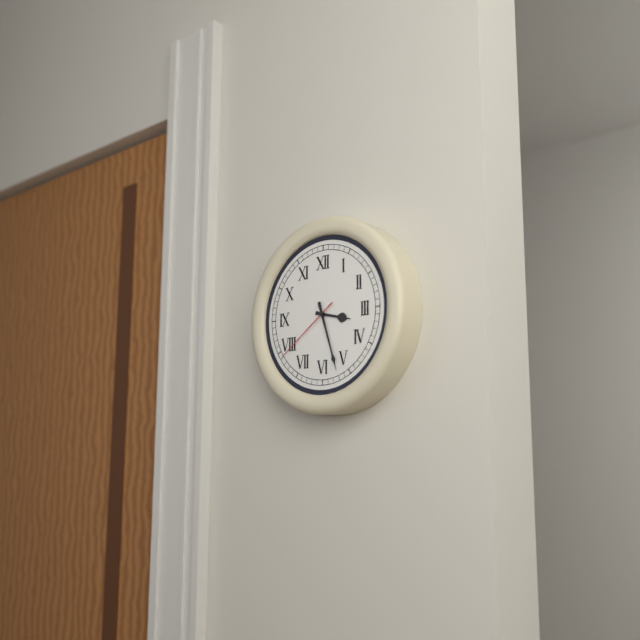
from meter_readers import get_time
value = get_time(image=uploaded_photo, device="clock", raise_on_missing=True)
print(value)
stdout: 3:27:39
